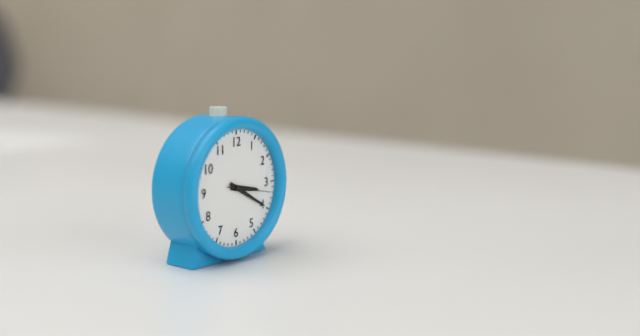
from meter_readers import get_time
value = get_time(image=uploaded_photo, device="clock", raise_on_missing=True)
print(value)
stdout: 3:20
